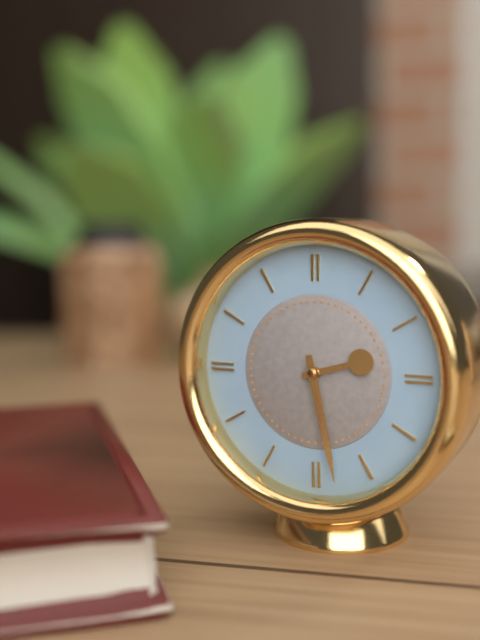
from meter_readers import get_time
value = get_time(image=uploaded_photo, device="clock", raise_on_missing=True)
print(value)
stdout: 2:28
